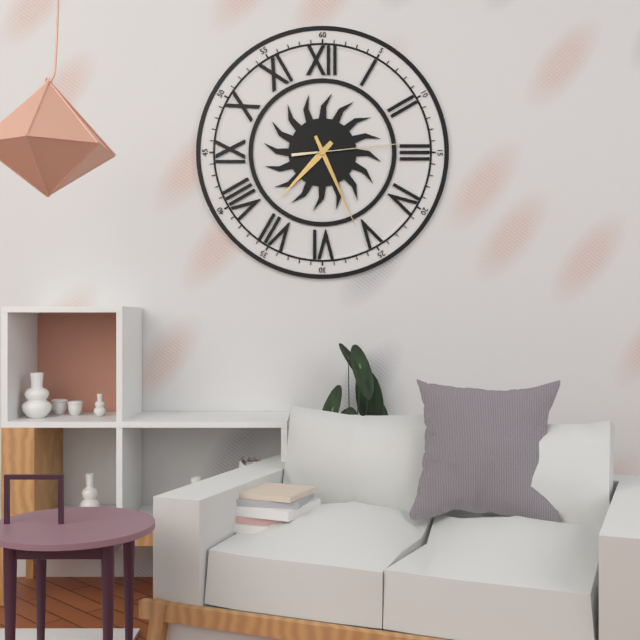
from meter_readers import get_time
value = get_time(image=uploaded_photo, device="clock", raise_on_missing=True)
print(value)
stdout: 7:26:14
